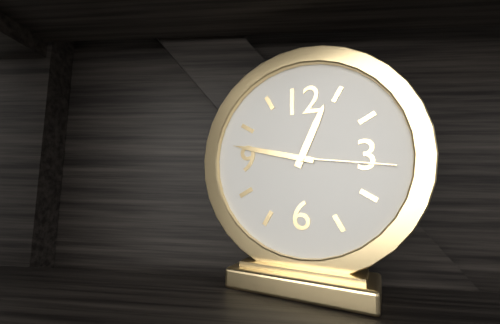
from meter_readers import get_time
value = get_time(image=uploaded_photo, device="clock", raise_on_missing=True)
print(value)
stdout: 12:47:16
